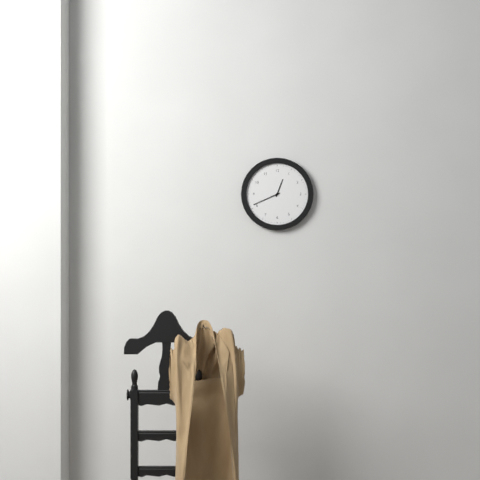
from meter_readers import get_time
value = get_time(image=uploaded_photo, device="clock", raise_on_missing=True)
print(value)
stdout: 12:41
